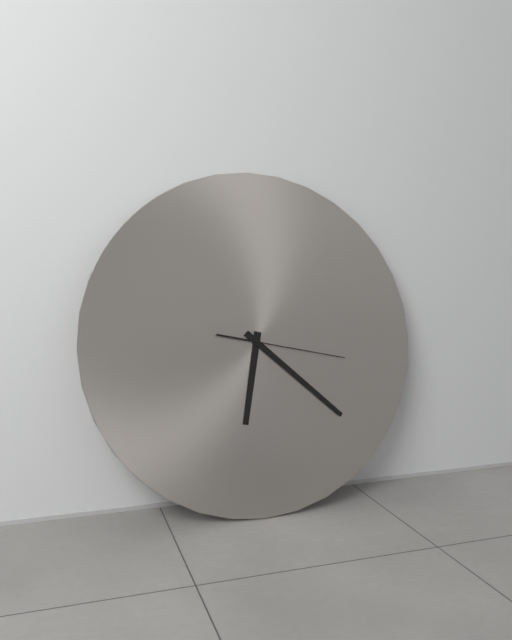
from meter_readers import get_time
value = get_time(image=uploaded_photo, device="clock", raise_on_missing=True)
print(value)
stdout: 6:22:17
